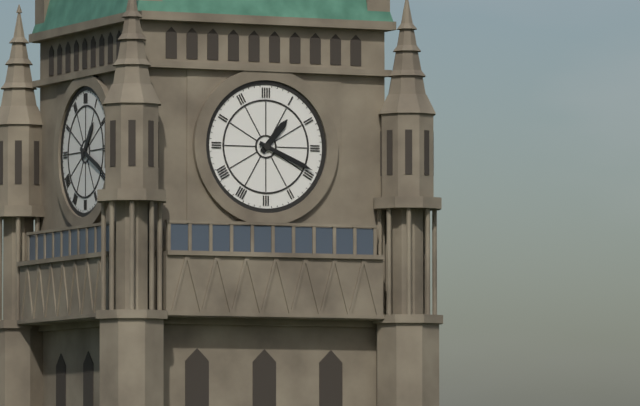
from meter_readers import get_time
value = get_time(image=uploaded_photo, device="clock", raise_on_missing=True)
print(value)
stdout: 1:19
